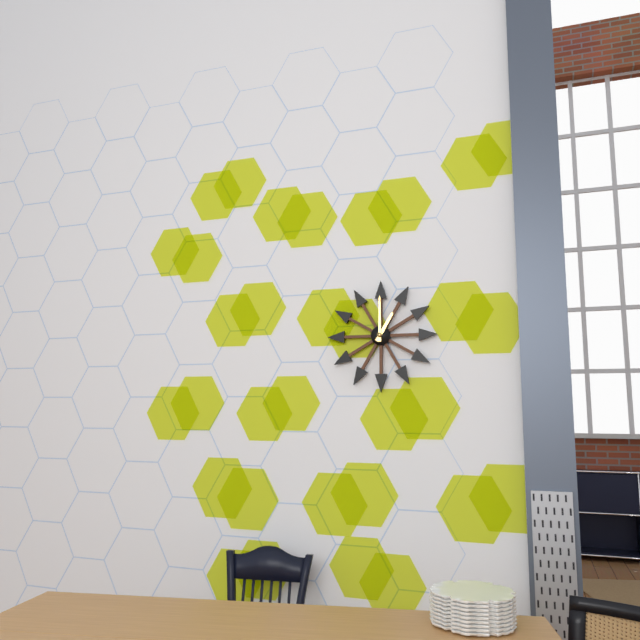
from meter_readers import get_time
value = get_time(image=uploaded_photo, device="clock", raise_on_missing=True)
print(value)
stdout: 1:00
